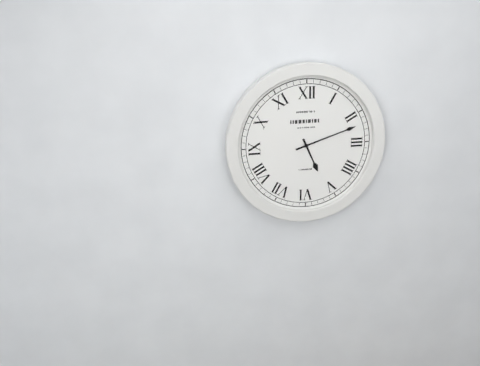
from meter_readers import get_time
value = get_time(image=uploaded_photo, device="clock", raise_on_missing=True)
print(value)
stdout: 5:12
